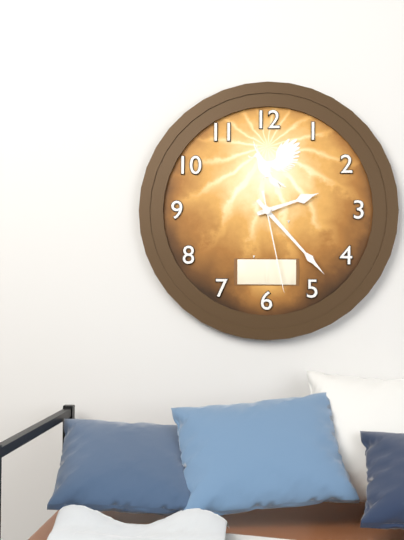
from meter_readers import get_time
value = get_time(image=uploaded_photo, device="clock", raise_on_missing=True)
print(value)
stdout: 2:23:28
